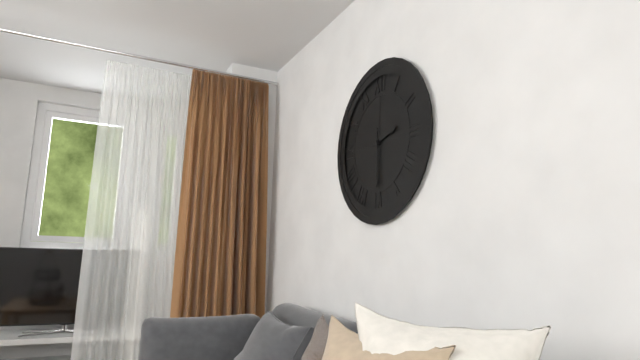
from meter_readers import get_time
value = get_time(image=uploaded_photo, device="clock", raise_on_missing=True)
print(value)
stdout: 2:30
